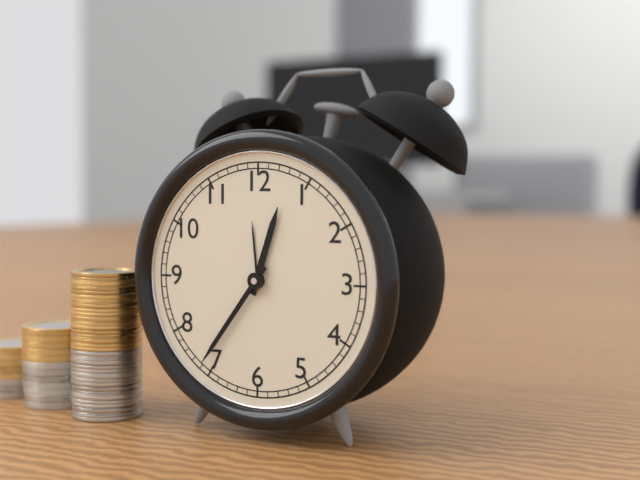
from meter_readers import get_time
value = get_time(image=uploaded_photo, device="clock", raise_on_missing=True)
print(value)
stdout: 12:36
